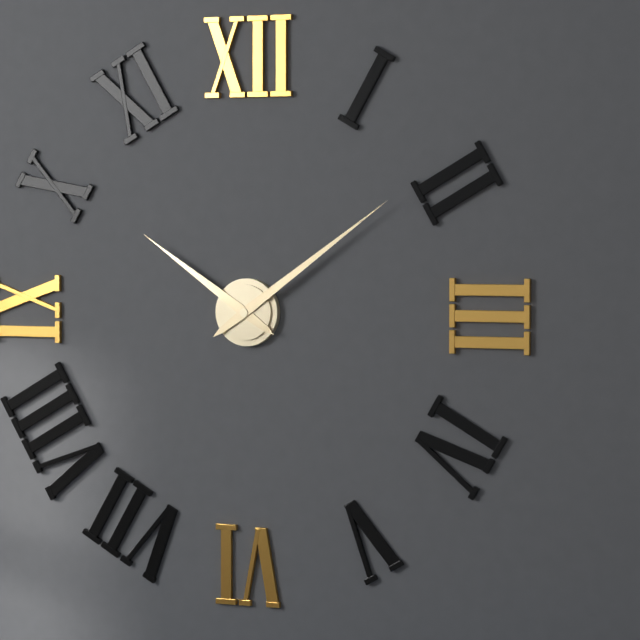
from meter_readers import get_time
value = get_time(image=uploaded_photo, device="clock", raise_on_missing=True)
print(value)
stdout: 10:09
